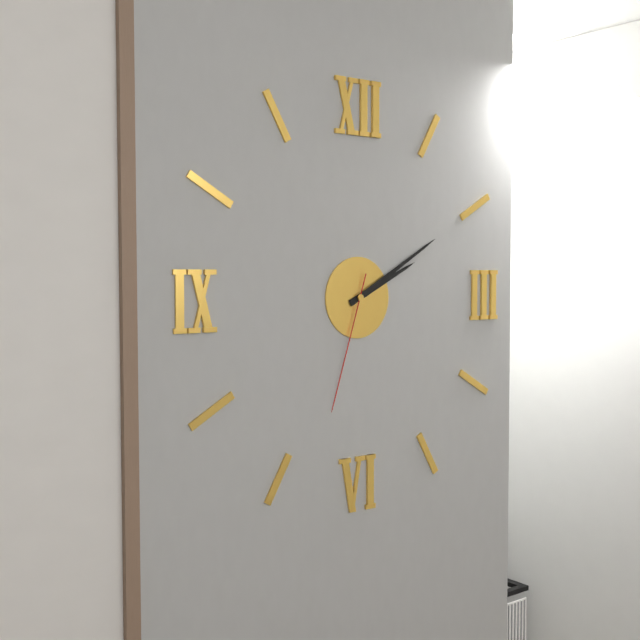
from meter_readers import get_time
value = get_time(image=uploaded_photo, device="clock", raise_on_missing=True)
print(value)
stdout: 2:10:33
